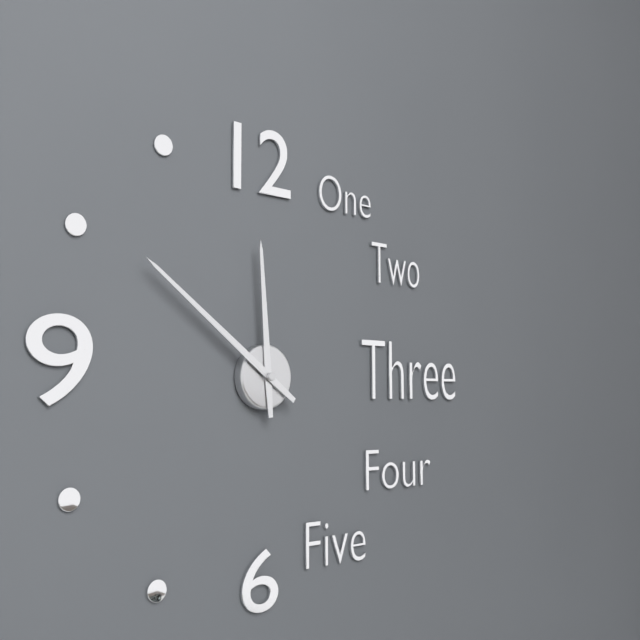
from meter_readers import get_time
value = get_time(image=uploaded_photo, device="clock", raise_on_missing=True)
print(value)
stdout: 11:51
